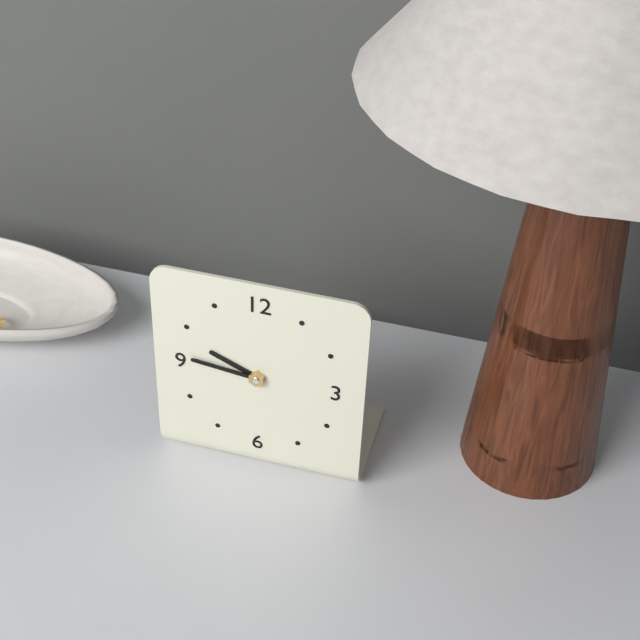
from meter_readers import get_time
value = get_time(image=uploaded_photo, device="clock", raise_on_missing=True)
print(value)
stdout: 9:46
